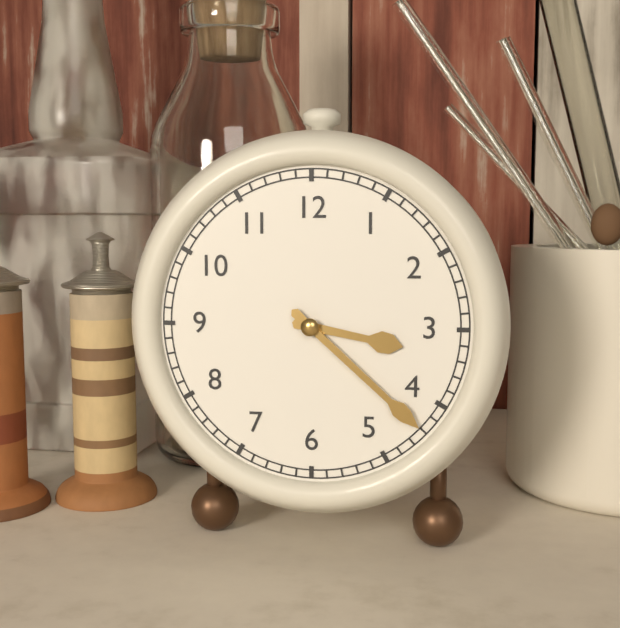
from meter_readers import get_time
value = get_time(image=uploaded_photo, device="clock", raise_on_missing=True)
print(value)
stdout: 3:22
